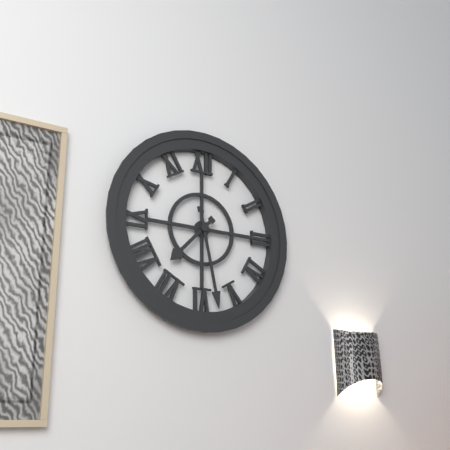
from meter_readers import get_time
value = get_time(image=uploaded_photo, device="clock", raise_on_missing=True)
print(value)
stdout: 7:28
